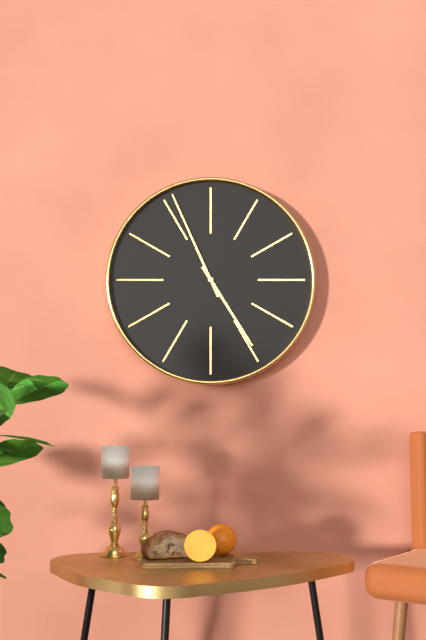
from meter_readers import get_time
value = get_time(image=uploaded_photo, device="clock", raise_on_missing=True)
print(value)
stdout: 4:56
